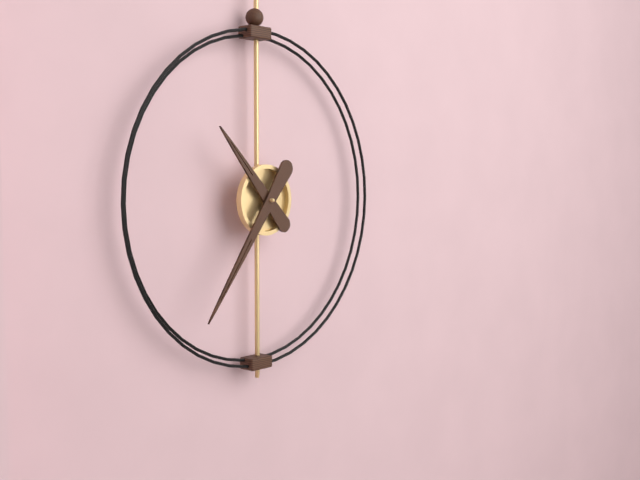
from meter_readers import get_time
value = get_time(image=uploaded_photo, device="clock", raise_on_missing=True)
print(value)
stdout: 10:36
